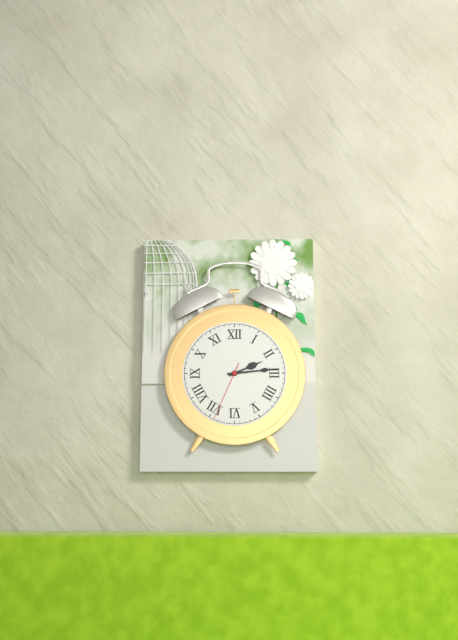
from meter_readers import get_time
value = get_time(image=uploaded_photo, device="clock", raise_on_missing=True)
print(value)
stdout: 2:14:34
